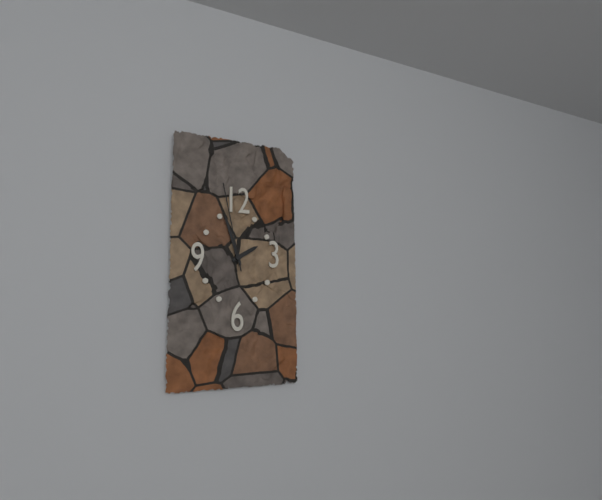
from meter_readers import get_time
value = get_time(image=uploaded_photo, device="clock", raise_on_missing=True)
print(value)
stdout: 1:57:58
